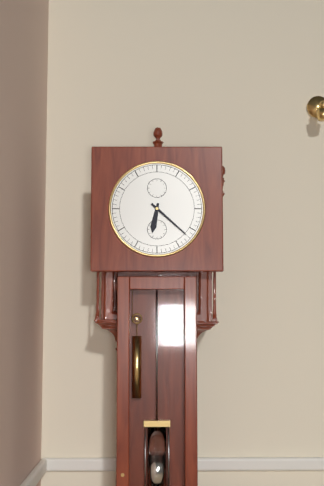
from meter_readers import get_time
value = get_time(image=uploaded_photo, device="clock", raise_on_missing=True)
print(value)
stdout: 6:22
